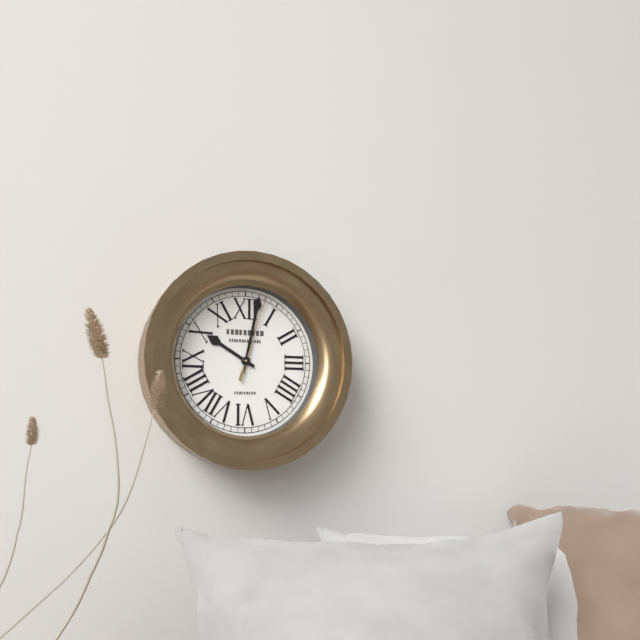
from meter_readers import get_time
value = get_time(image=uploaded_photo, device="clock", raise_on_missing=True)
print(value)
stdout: 10:02:03
